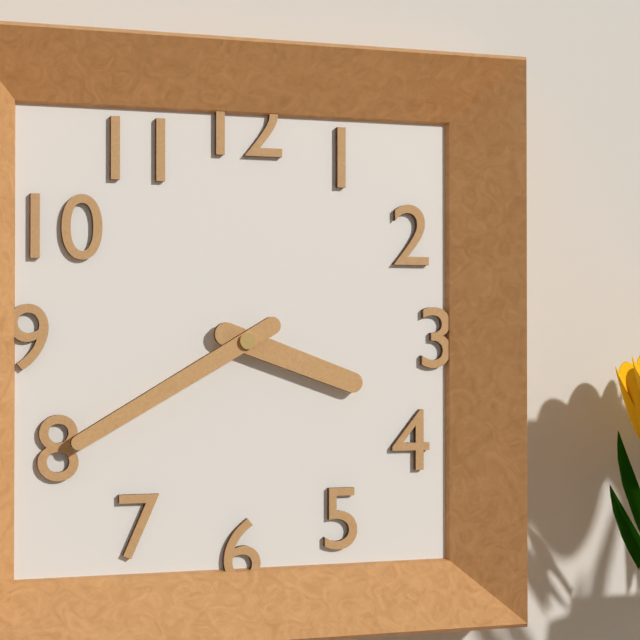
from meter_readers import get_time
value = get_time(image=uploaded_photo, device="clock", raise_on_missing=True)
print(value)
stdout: 3:40
